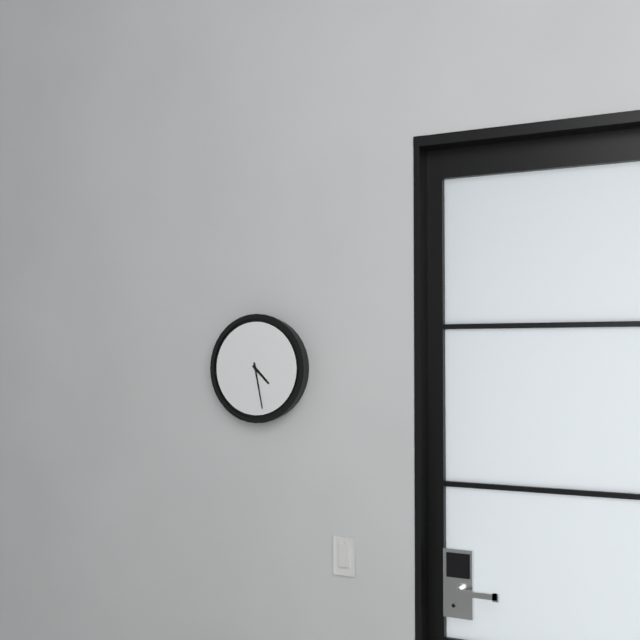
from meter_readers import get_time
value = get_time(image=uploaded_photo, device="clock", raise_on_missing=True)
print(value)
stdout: 4:28
